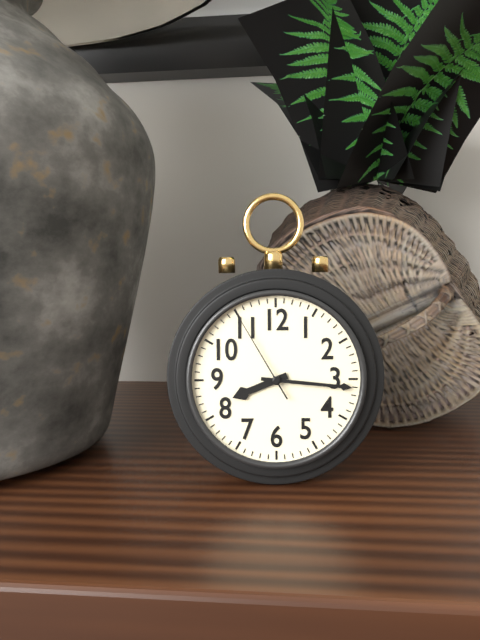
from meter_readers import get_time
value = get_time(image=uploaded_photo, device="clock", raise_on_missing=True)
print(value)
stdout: 8:16:55
